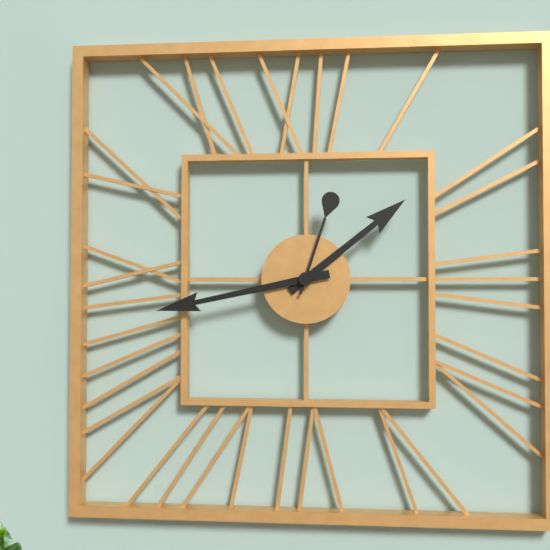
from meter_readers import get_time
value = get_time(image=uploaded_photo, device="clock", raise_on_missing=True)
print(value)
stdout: 1:43:03
